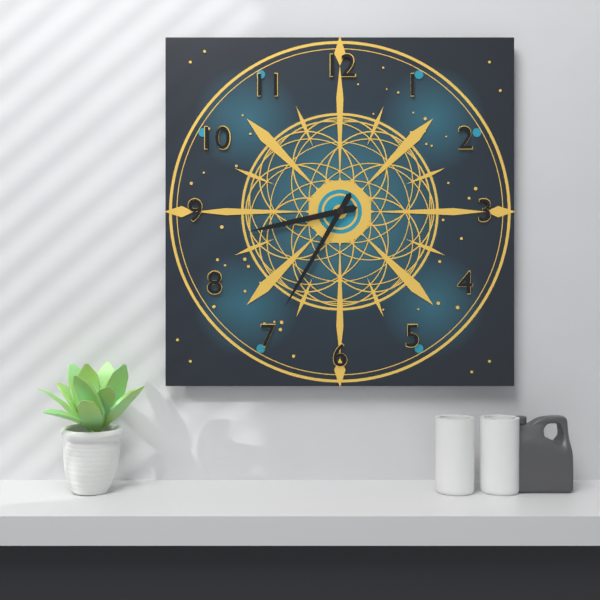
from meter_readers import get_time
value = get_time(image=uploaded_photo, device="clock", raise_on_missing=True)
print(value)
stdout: 8:35
